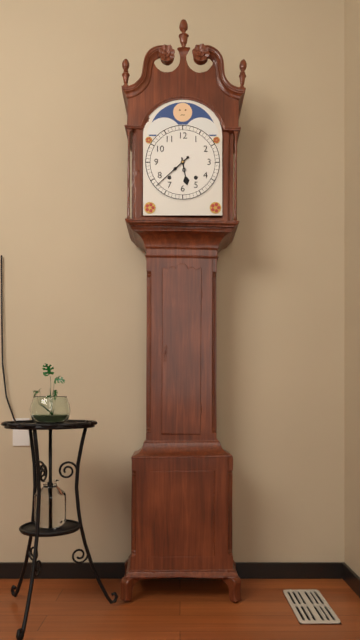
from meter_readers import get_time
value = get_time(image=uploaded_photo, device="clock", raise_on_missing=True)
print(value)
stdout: 5:38
